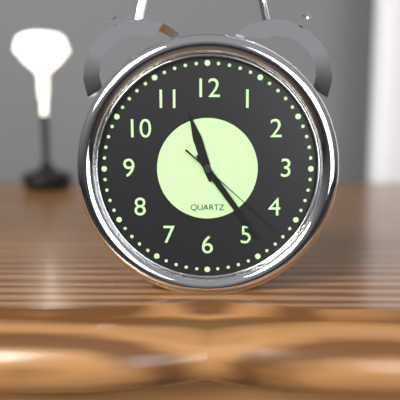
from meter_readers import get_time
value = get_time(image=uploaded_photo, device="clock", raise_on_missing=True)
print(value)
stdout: 11:24:22
